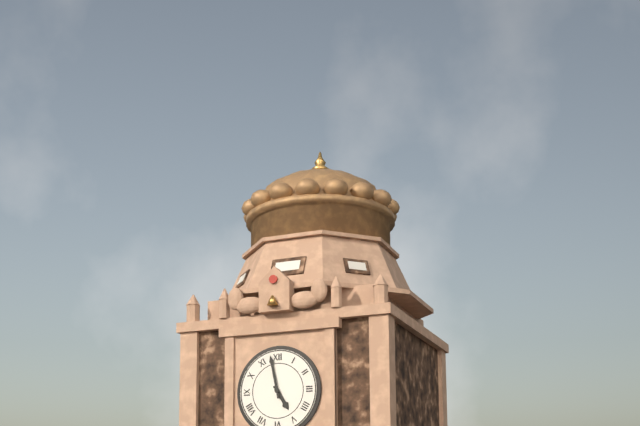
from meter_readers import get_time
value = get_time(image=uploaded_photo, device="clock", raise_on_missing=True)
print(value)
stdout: 4:58
